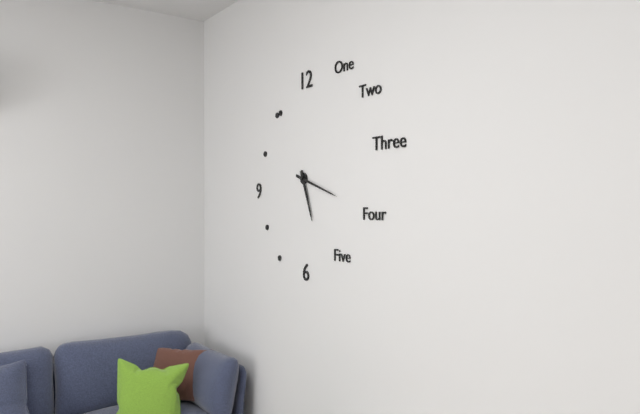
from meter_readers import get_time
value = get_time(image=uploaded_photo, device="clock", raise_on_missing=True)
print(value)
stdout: 5:18
